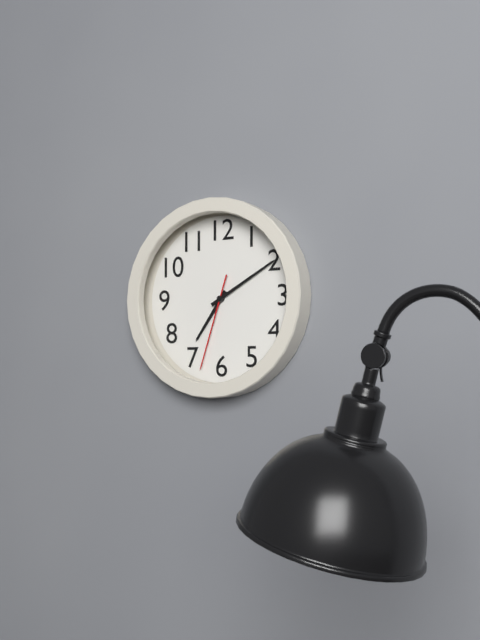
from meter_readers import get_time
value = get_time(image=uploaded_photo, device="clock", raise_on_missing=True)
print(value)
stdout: 7:10:33
